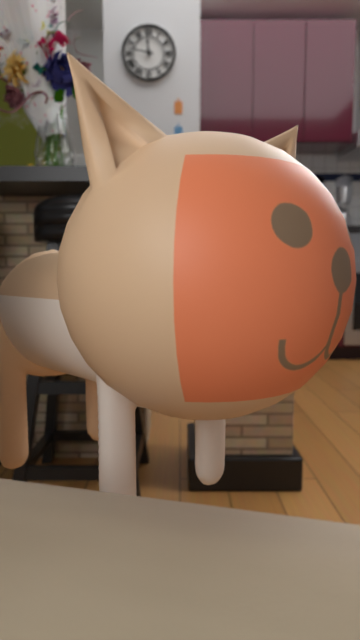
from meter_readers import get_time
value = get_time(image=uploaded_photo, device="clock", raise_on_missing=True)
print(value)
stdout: 11:47
